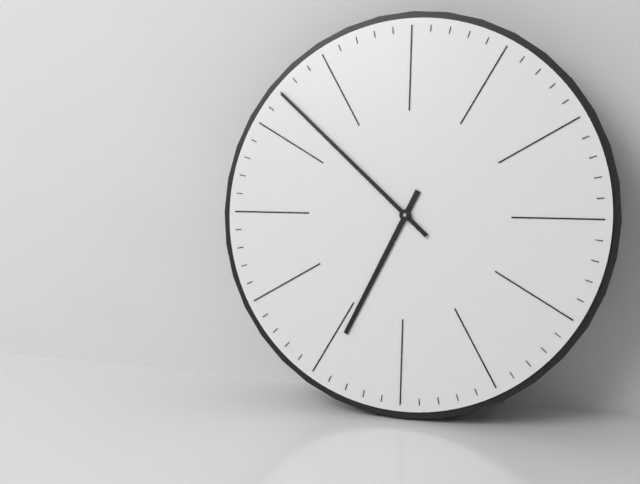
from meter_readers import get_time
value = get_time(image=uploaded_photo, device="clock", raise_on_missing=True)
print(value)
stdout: 6:52
